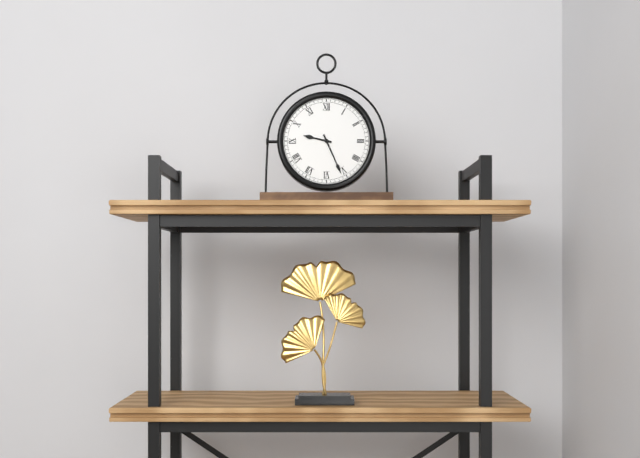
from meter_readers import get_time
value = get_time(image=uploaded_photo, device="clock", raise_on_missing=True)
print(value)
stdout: 9:26
